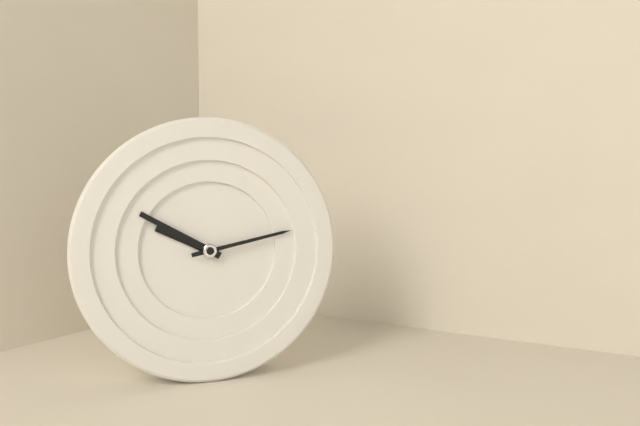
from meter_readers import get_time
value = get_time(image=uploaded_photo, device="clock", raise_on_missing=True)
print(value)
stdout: 9:50:13
